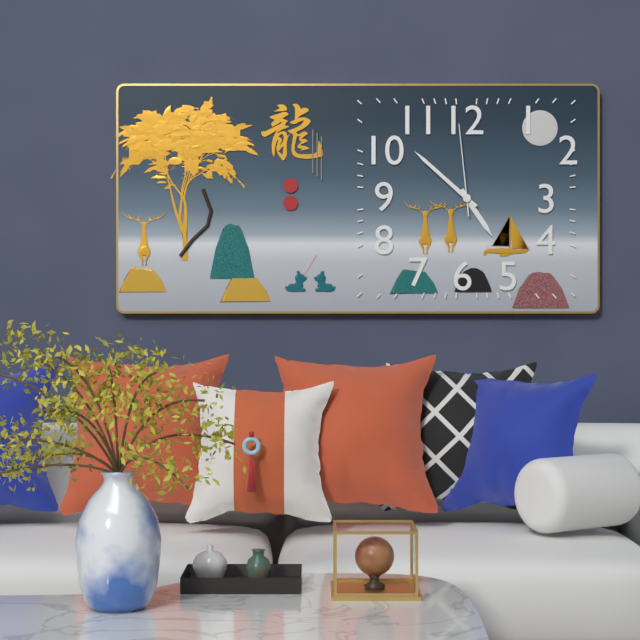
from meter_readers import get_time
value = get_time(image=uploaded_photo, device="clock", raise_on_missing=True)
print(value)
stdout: 4:52:59
